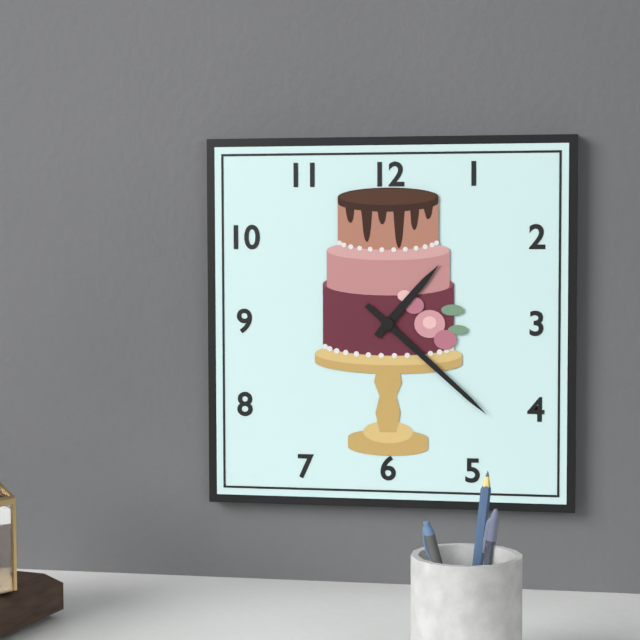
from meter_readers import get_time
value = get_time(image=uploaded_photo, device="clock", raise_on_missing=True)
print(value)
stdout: 1:22
